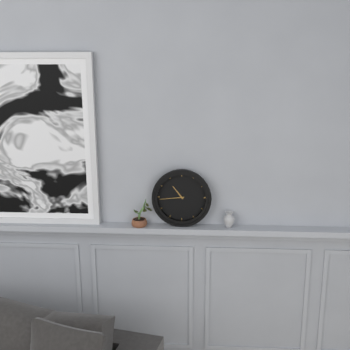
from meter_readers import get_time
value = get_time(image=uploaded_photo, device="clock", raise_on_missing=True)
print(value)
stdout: 10:44
